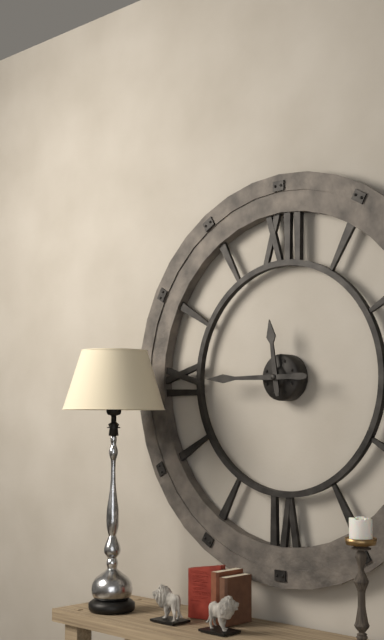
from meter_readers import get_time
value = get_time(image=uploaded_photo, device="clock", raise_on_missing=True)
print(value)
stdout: 11:45
